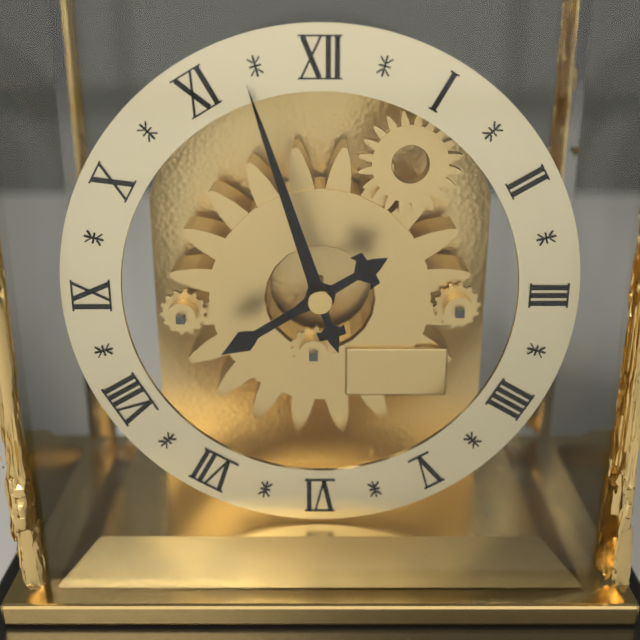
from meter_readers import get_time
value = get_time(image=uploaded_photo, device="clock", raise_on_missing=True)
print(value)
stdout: 7:57
